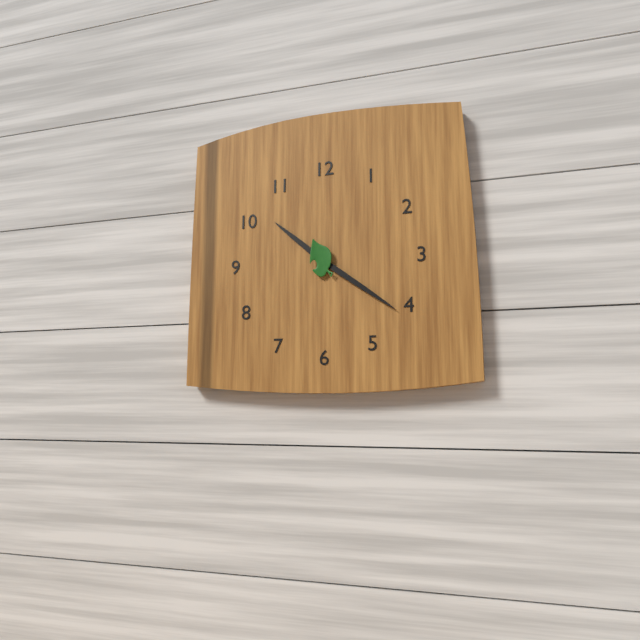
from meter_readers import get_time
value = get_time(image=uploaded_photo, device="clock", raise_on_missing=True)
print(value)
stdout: 10:21
